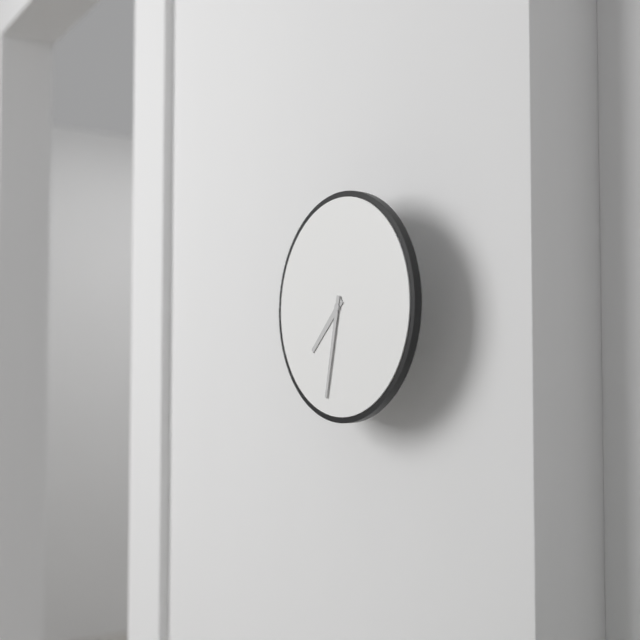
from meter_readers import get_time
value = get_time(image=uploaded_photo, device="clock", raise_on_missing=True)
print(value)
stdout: 7:32
